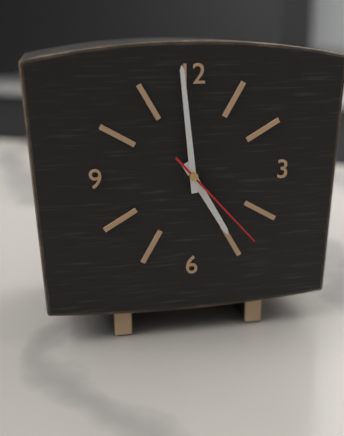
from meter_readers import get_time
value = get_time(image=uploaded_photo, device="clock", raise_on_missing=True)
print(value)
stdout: 4:59:23
